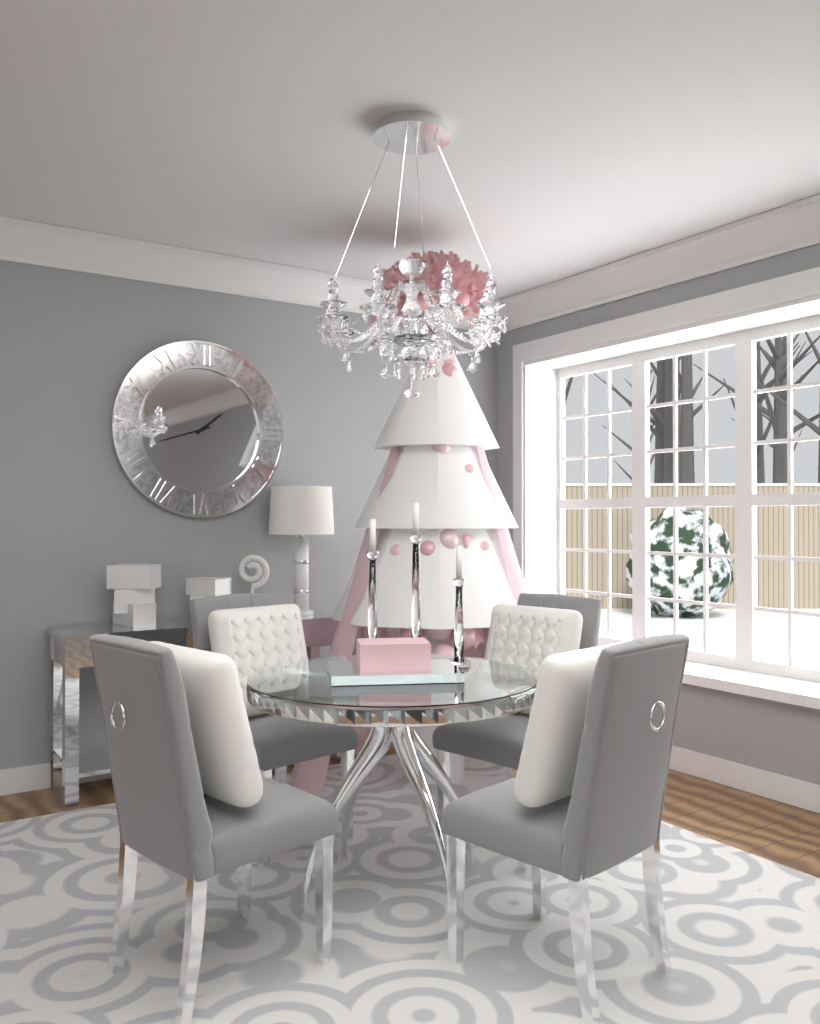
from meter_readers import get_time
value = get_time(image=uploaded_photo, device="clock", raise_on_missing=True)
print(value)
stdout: 1:42
